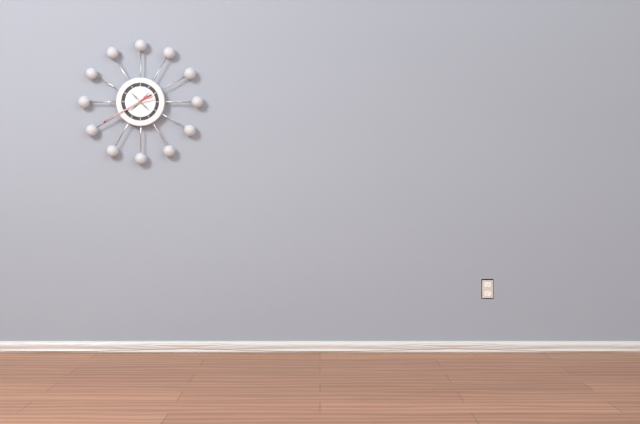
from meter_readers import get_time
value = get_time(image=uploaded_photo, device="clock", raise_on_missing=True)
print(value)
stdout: 2:40:40
